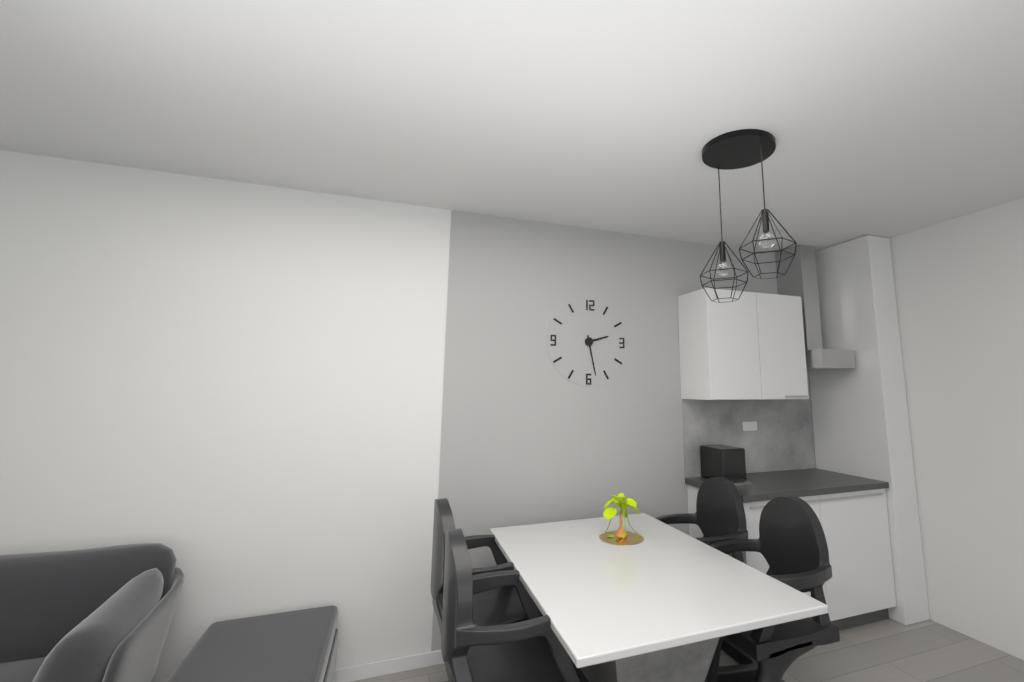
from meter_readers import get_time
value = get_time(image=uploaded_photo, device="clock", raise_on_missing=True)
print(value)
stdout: 2:28
